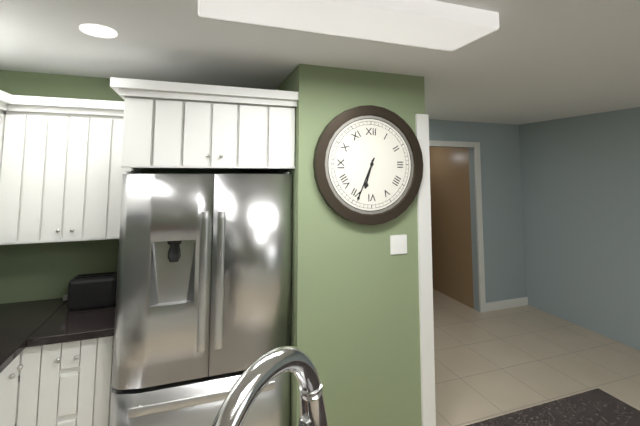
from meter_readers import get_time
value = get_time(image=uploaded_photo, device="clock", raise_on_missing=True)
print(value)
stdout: 6:34
